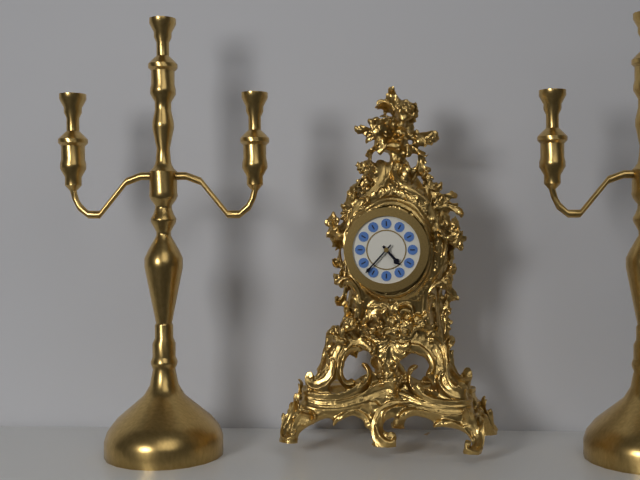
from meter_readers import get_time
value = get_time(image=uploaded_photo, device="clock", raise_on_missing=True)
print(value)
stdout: 4:37
